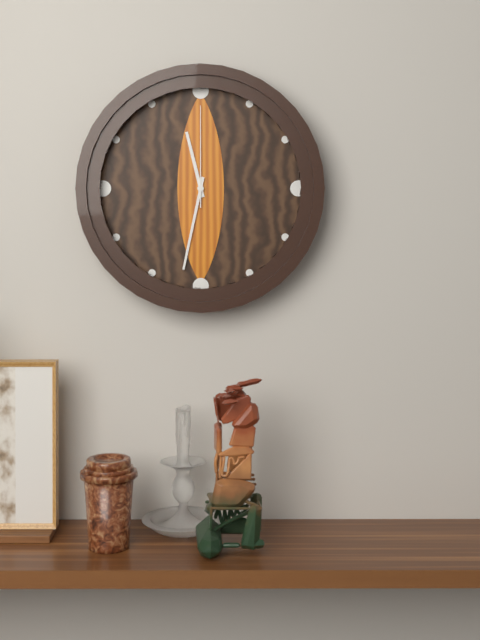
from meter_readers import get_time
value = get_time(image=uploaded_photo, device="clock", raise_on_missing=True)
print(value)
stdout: 11:32:00
